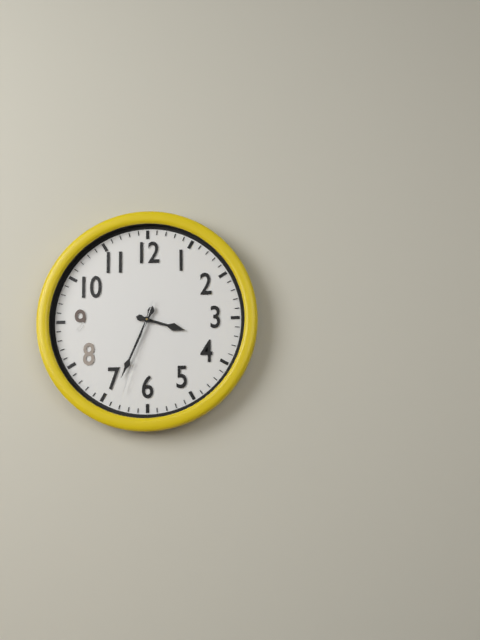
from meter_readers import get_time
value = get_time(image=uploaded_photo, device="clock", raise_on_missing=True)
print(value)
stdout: 3:34:33
